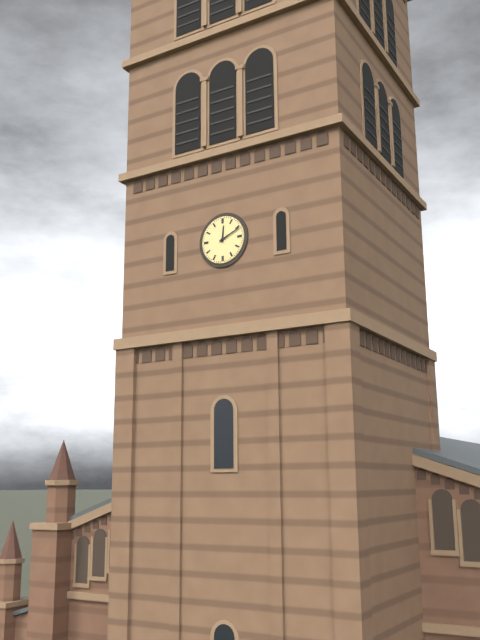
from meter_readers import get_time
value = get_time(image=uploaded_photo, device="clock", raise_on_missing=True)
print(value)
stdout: 12:11
